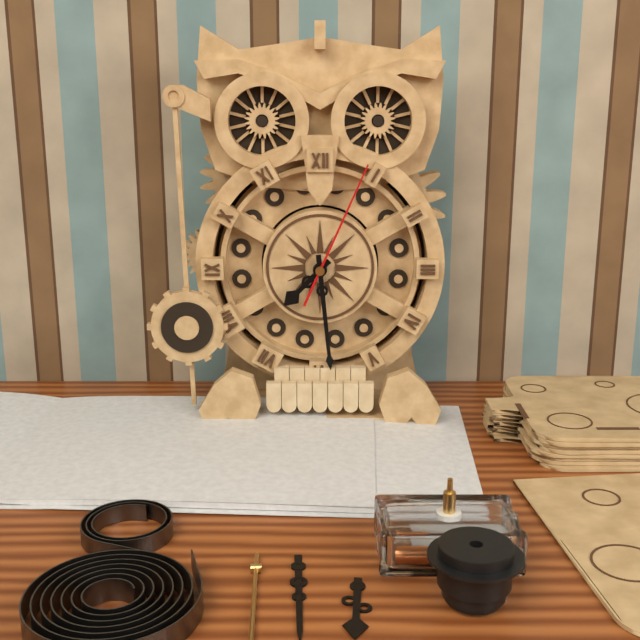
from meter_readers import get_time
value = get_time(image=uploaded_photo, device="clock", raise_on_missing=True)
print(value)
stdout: 7:29:04
